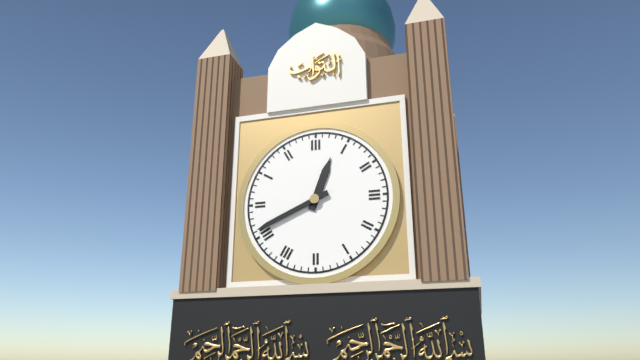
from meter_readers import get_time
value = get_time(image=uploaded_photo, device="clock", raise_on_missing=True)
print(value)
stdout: 12:41
